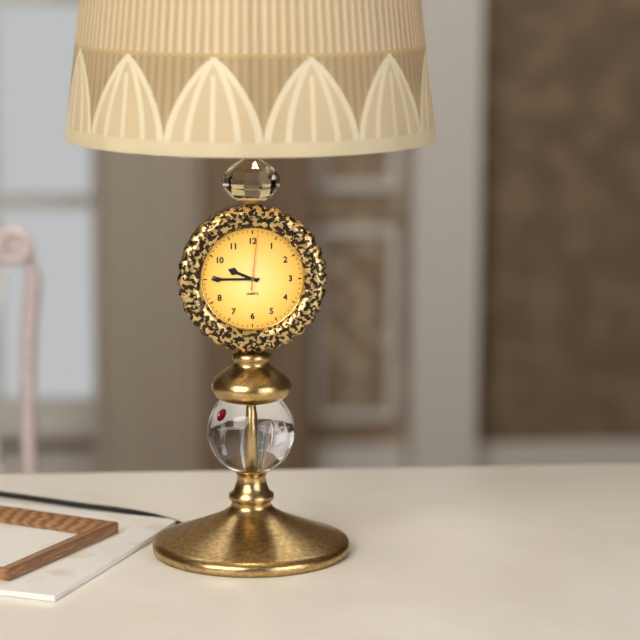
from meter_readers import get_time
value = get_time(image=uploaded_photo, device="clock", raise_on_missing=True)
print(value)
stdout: 9:45:01
